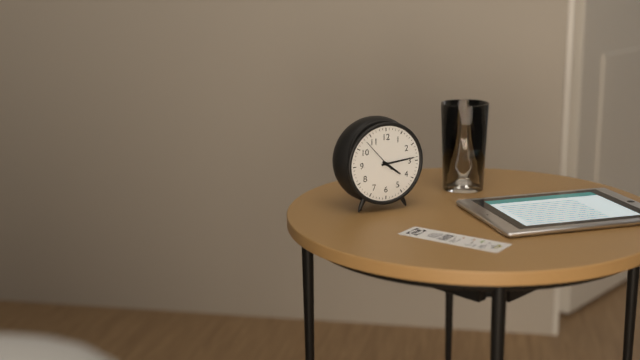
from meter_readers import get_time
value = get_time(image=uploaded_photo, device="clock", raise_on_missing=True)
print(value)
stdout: 4:14
